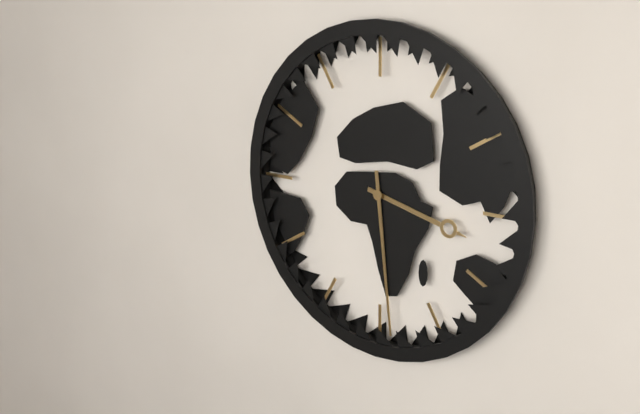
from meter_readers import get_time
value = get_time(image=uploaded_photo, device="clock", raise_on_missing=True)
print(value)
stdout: 3:29
